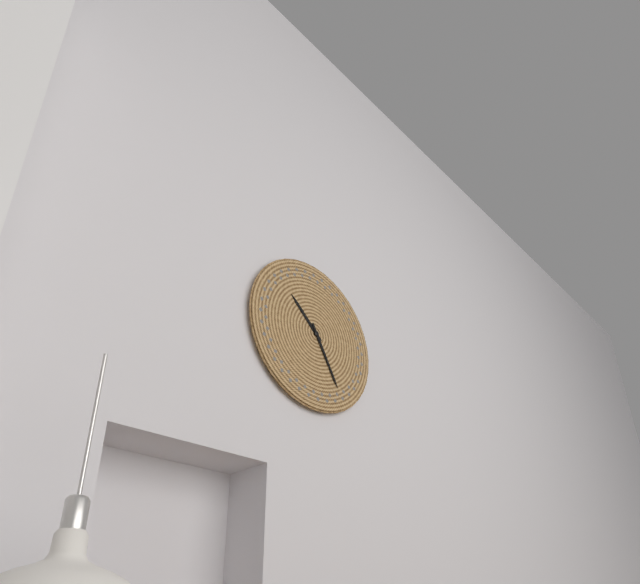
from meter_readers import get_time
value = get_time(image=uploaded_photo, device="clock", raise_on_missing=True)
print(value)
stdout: 10:25
